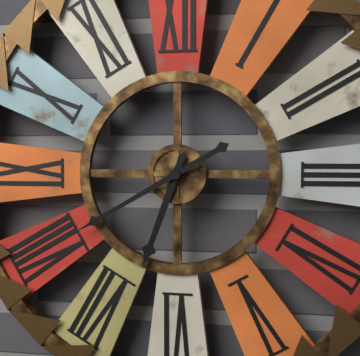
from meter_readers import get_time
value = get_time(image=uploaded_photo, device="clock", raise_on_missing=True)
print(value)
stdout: 6:40
